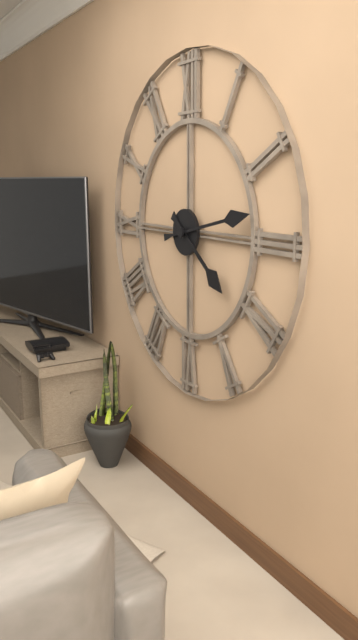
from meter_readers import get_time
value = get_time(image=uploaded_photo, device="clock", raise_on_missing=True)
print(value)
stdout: 4:13
